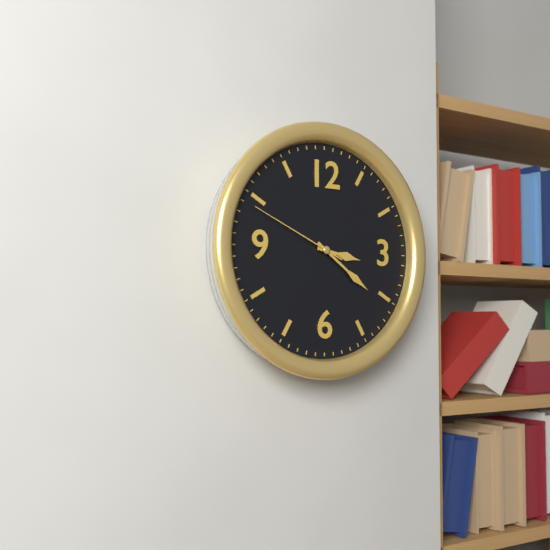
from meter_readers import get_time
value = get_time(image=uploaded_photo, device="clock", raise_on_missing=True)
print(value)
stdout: 3:21:49
